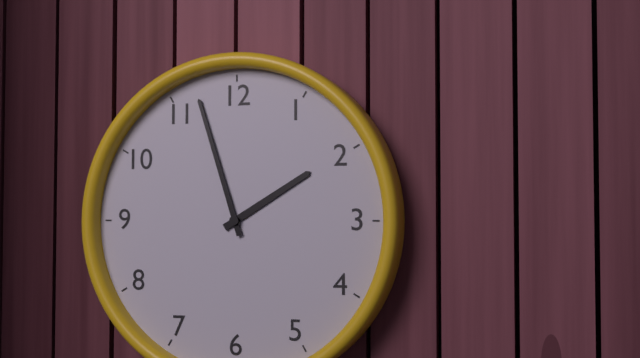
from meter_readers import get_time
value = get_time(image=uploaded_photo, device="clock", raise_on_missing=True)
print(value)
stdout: 1:57
